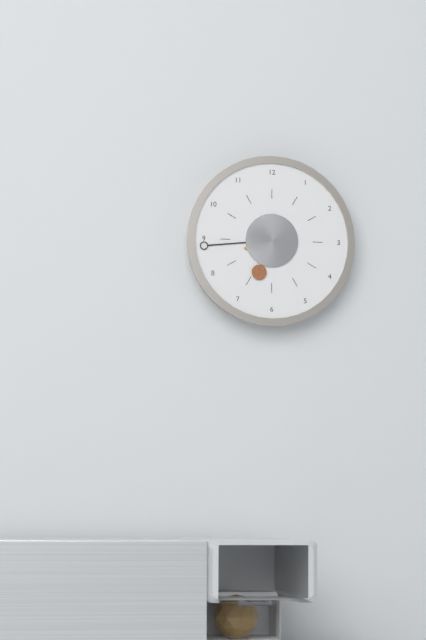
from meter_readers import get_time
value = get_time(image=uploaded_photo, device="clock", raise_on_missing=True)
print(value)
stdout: 6:44
